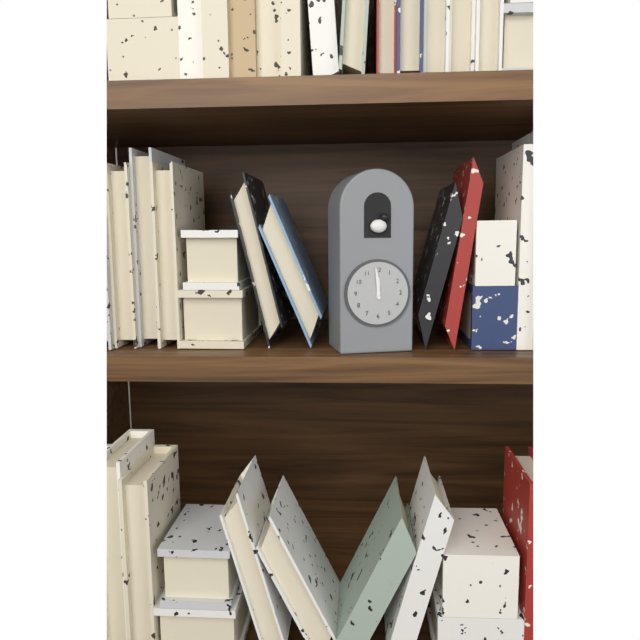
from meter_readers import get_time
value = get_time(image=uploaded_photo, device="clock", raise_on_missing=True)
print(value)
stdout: 11:59
